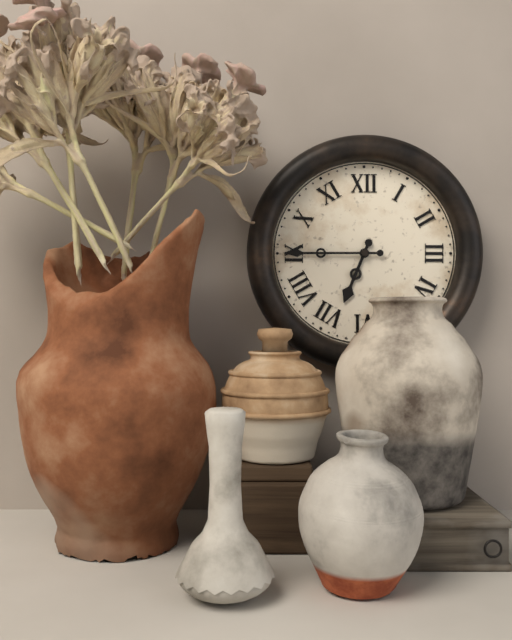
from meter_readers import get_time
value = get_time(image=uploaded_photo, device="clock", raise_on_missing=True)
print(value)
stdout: 6:45
